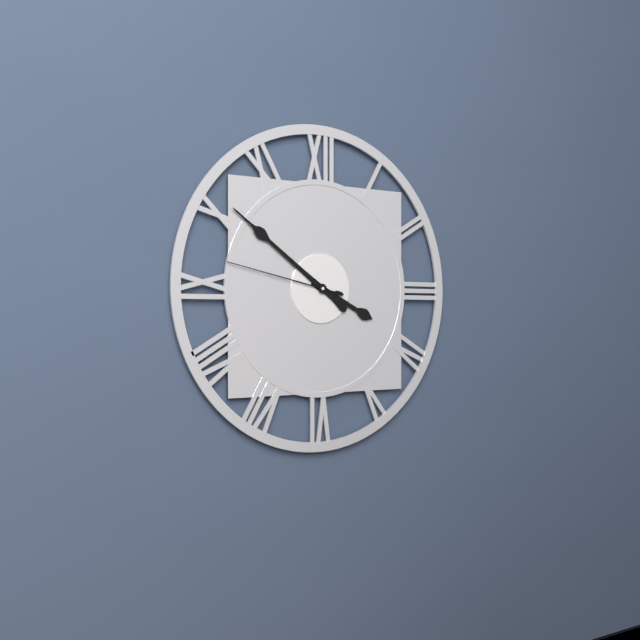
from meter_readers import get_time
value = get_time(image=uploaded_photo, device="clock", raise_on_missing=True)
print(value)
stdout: 3:51:47
